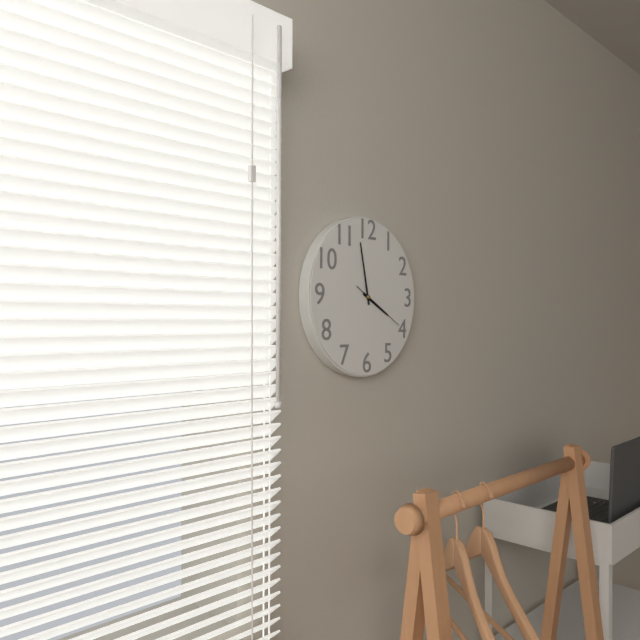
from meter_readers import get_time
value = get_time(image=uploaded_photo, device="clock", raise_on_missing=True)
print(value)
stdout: 3:58:20
